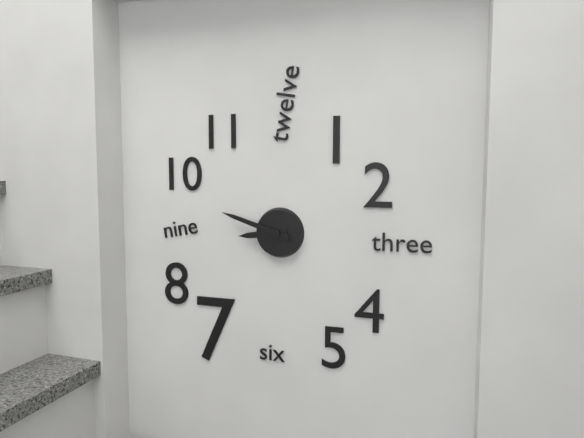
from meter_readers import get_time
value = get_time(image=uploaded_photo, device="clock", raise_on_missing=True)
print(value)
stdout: 8:48
